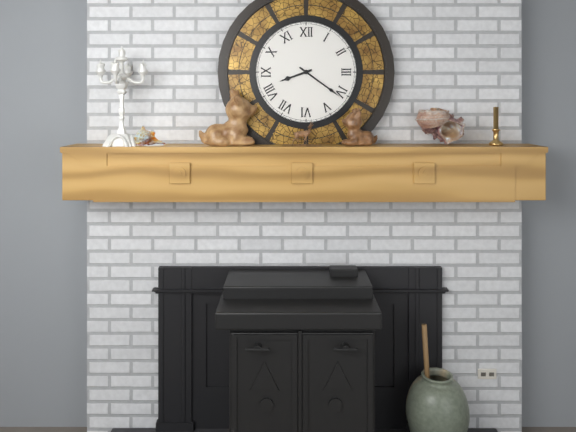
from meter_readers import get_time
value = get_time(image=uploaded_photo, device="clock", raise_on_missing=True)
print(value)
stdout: 8:21
